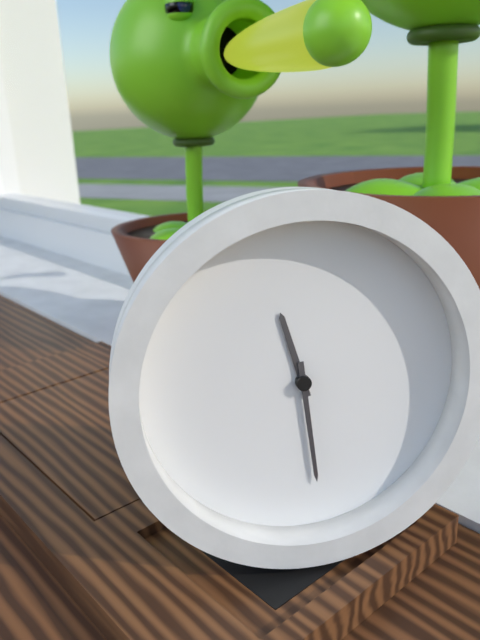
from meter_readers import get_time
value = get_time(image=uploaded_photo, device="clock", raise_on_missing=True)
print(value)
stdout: 11:29
